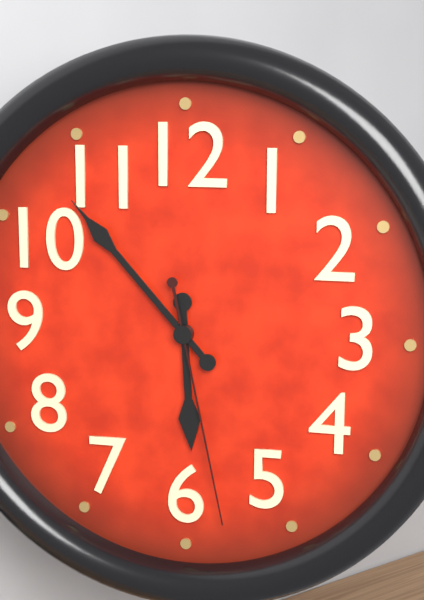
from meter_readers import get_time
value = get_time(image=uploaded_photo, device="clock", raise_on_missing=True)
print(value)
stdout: 5:53:28
